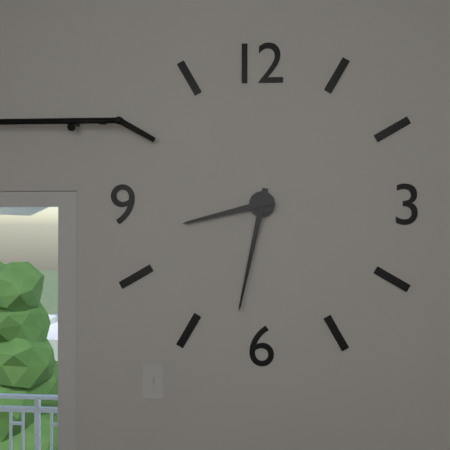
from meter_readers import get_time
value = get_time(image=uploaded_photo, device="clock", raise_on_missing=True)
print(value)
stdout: 8:32
